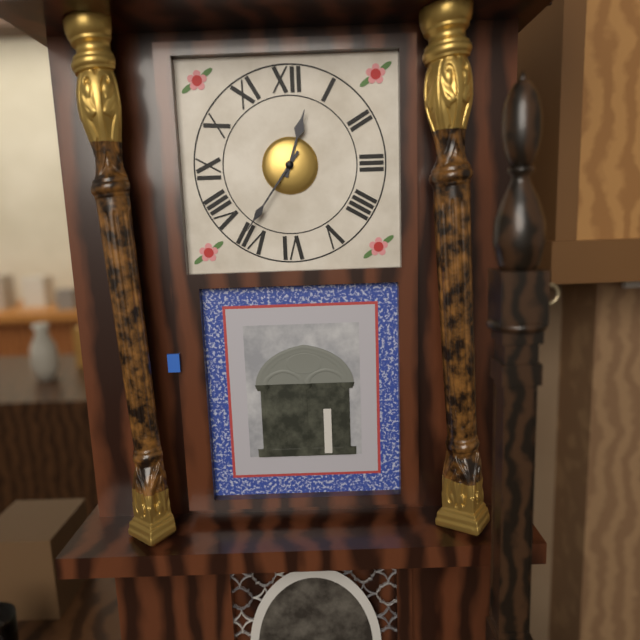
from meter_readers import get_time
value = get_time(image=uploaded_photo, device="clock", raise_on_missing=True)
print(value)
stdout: 12:36
